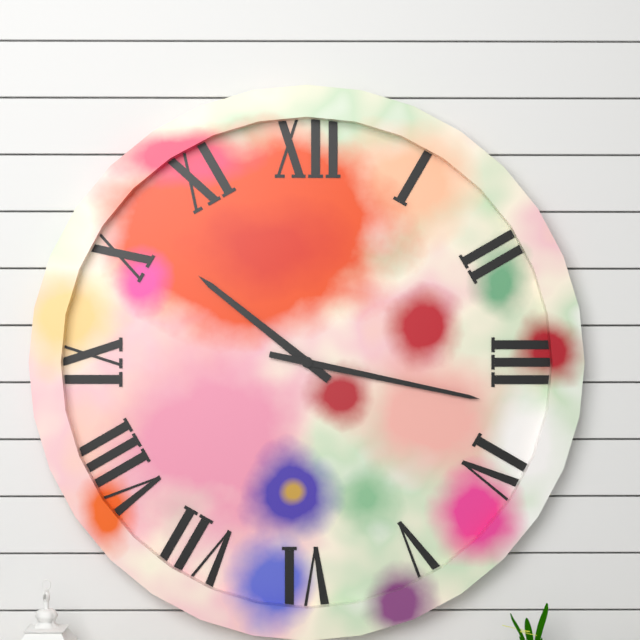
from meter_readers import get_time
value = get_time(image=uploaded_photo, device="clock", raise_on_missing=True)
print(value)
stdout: 10:17
